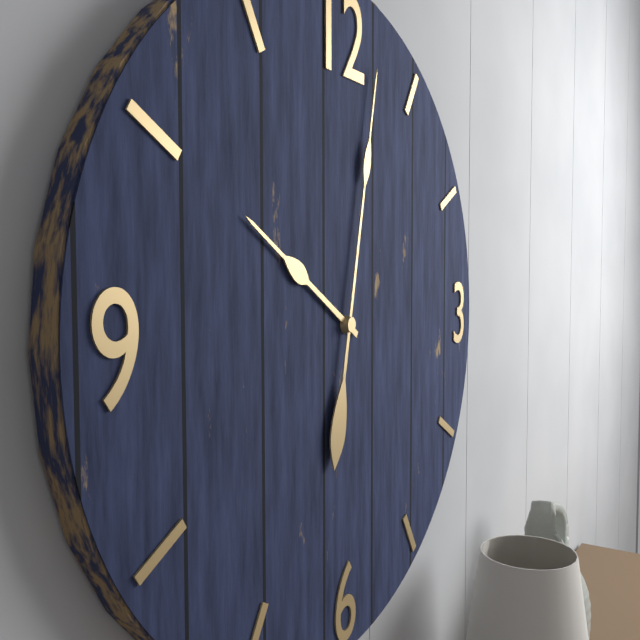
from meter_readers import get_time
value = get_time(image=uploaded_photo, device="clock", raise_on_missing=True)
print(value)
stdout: 10:02
